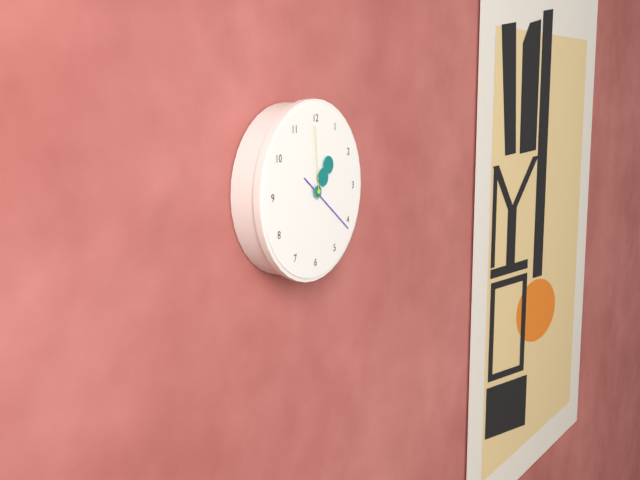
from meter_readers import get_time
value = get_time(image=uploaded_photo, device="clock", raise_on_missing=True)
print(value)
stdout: 1:21:59
